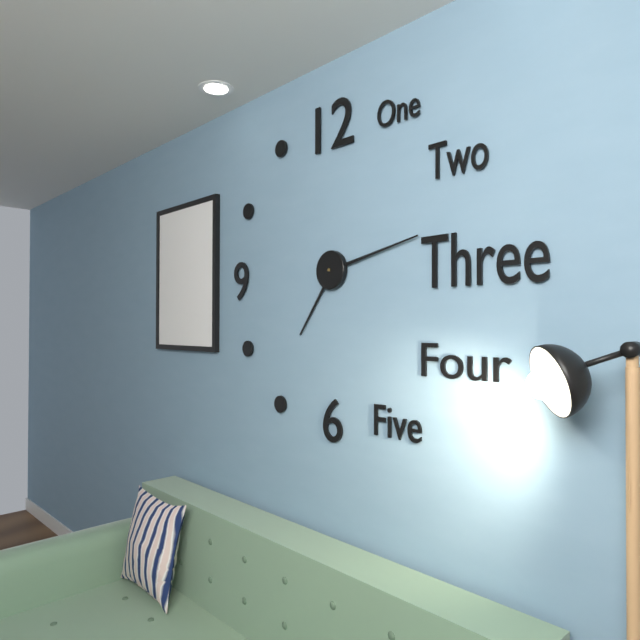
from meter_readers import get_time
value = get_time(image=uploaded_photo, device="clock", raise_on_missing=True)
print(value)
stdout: 7:13
